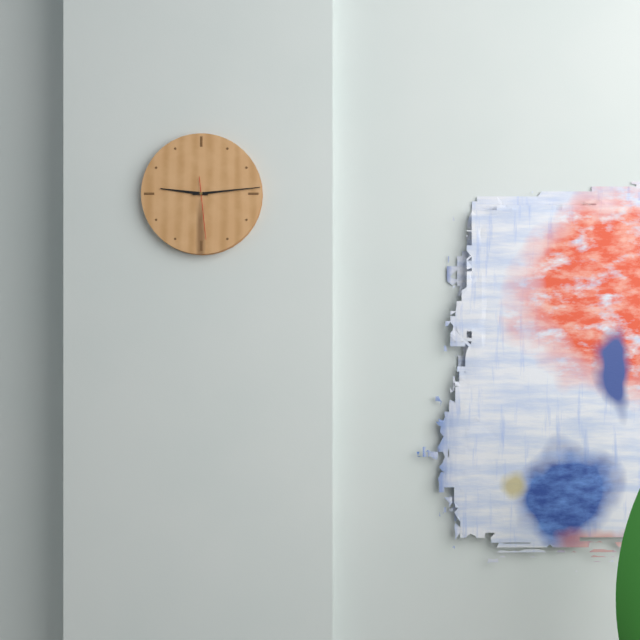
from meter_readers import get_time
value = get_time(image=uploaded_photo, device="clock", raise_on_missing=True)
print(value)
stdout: 9:14:29
